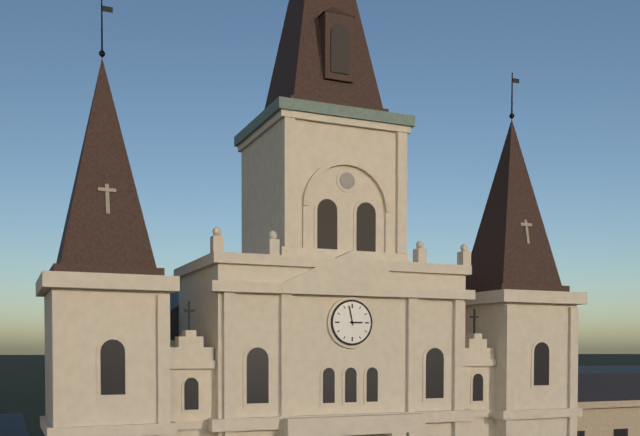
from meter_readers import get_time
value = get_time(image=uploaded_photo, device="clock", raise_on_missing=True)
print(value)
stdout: 2:58
